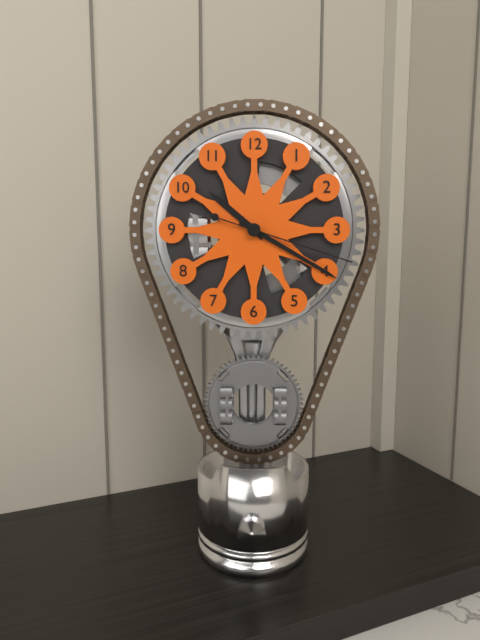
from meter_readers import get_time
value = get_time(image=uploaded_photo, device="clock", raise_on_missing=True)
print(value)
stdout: 10:20:18
